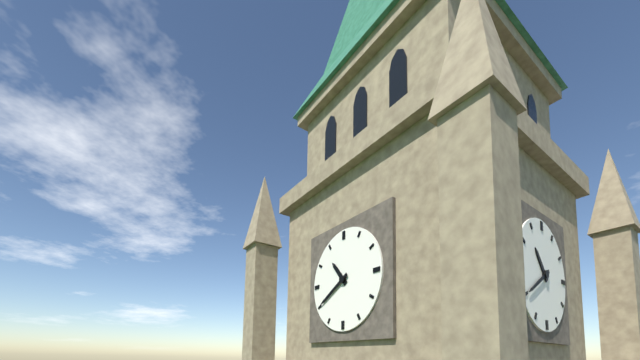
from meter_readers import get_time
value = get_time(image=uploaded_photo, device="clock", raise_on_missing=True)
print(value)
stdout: 10:40
